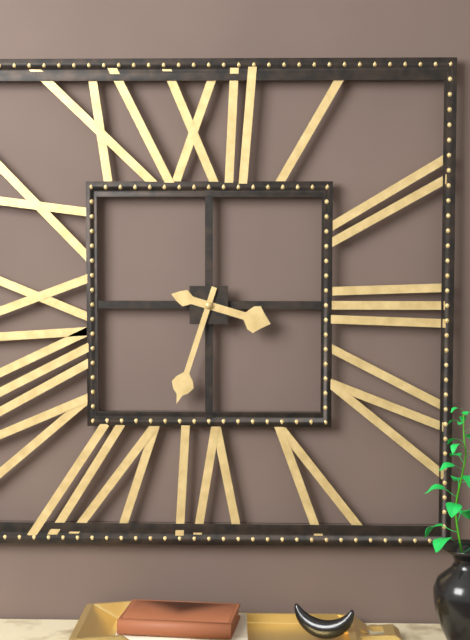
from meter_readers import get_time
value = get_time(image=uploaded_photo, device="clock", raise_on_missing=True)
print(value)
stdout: 3:33
